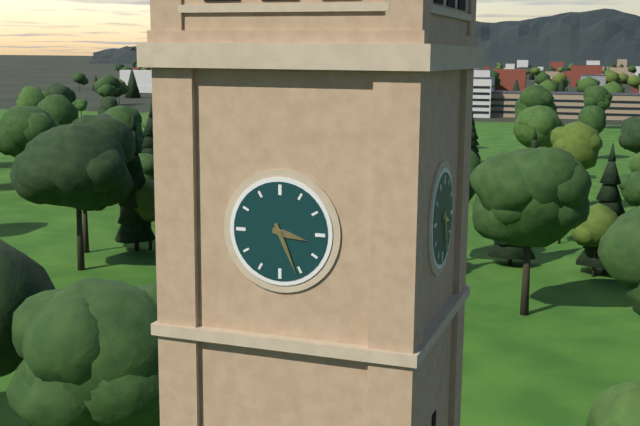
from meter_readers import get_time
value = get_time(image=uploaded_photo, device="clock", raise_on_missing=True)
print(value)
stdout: 3:26
